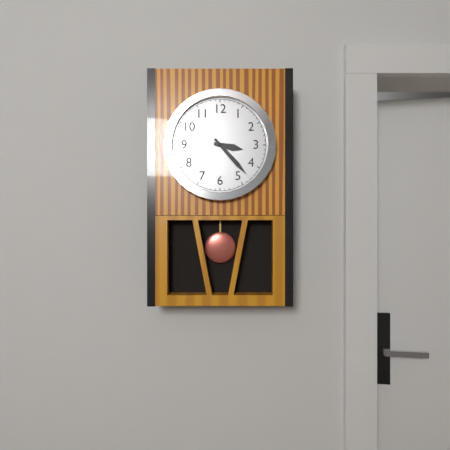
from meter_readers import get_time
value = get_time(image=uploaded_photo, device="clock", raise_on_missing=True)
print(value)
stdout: 3:23
